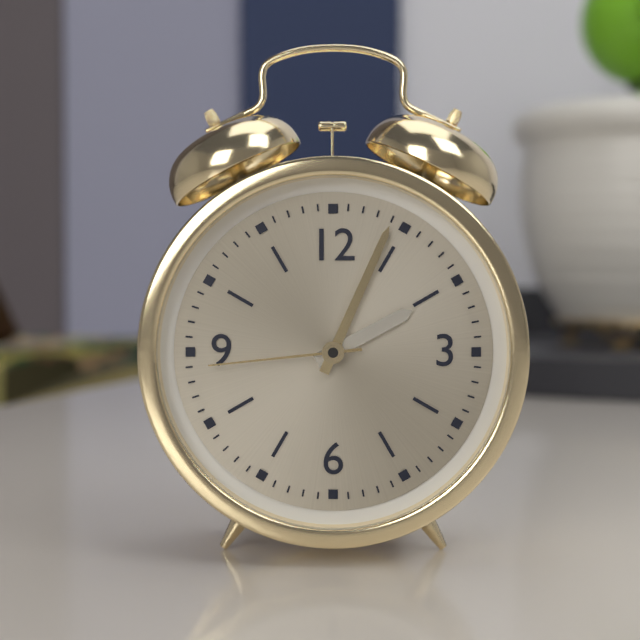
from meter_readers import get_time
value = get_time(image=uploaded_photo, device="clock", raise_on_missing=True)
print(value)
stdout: 2:04:44
